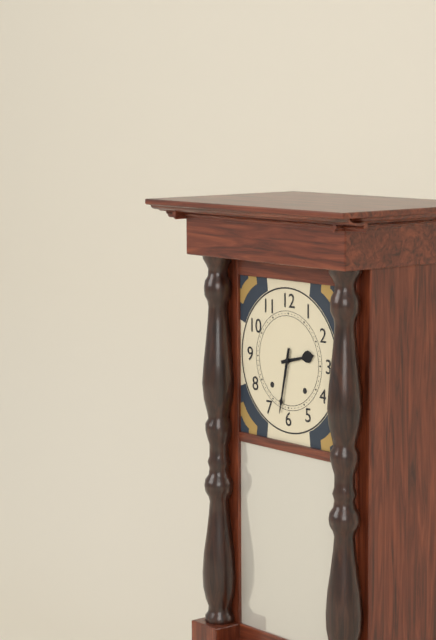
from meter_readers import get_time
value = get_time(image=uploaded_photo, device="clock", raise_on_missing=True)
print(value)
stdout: 2:32
